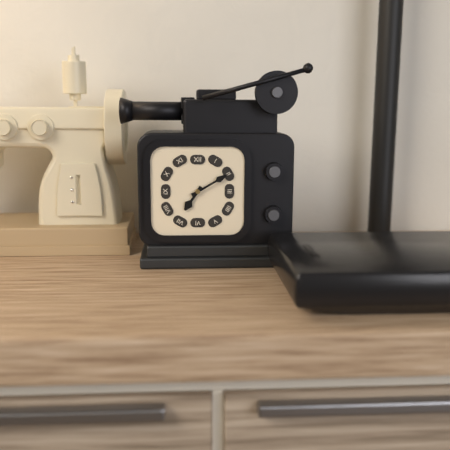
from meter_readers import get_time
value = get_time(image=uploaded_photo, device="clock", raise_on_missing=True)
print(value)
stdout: 7:10
